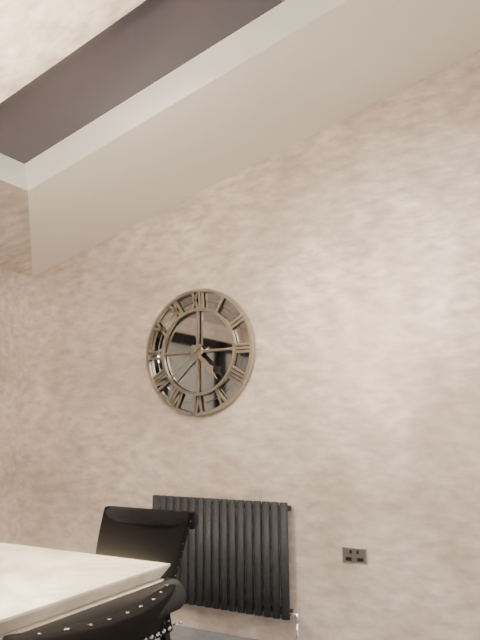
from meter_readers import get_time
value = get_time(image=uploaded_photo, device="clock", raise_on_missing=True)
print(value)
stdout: 4:38
